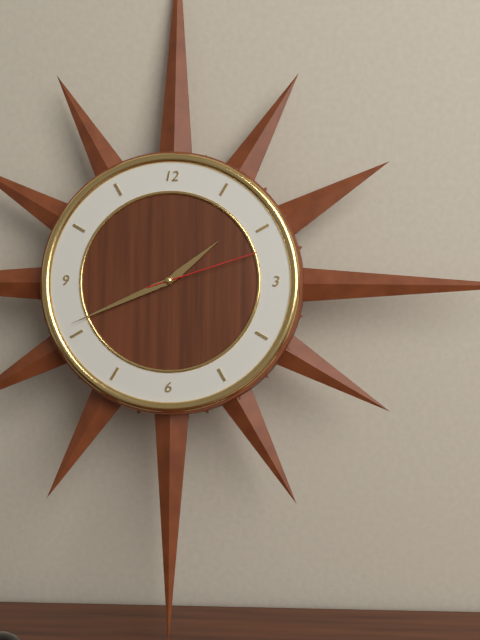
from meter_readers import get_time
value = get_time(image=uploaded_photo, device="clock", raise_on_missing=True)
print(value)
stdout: 1:41:12
